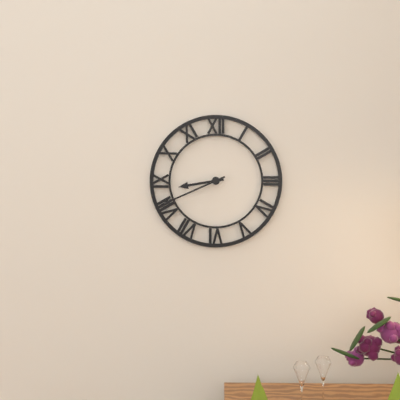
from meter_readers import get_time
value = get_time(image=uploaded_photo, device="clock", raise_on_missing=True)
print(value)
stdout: 8:41
